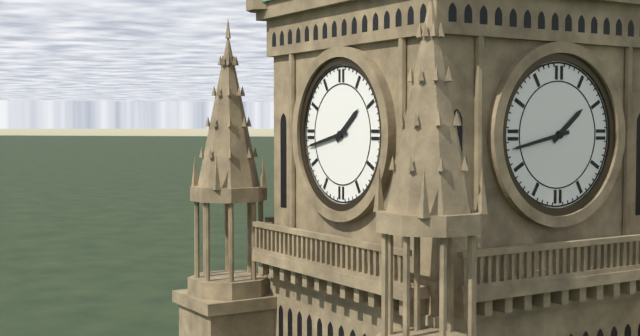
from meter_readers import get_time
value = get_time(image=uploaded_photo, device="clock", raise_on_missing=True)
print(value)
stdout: 1:43
